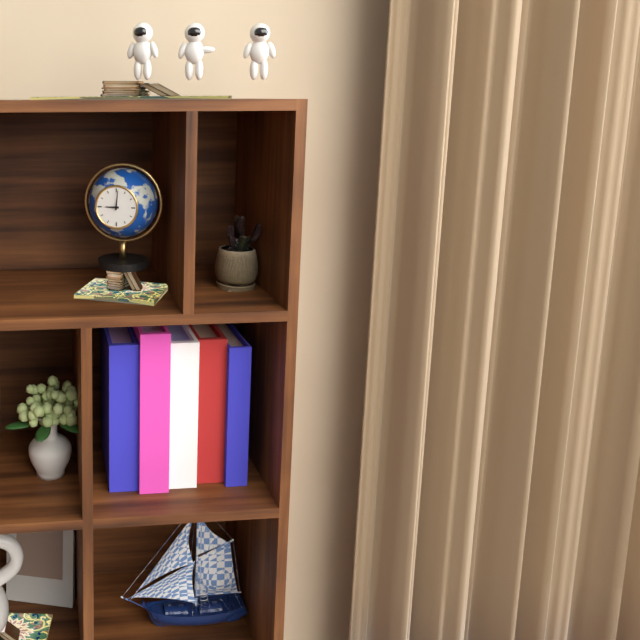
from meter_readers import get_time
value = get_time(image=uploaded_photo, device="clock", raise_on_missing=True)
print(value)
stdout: 9:01
